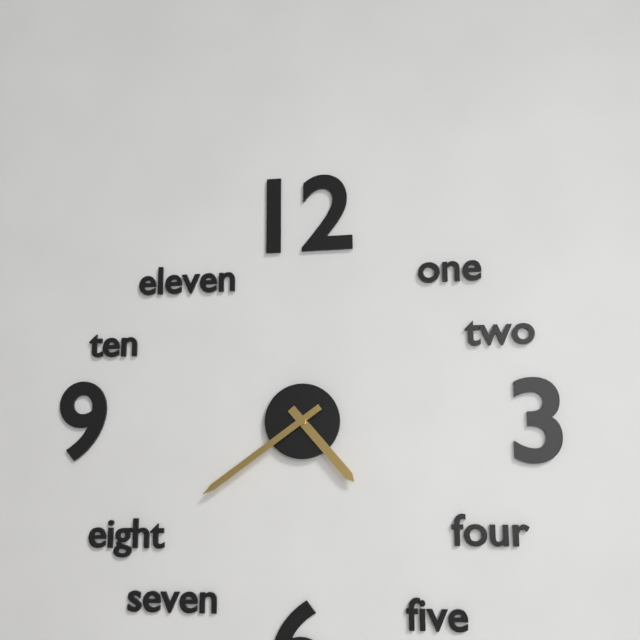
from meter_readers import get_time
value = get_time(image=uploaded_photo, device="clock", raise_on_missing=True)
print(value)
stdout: 4:39
